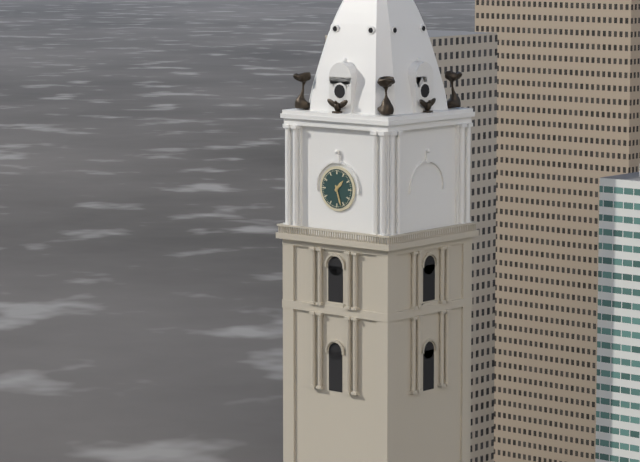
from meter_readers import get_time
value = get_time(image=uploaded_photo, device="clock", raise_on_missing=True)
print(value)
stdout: 1:27
